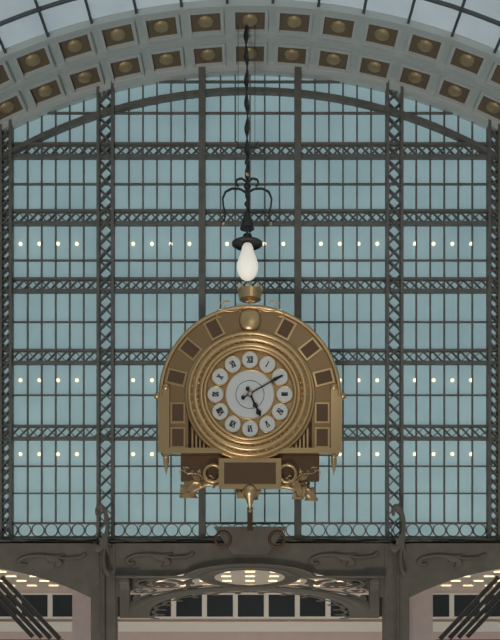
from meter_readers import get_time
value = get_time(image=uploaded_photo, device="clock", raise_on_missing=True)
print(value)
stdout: 5:10
